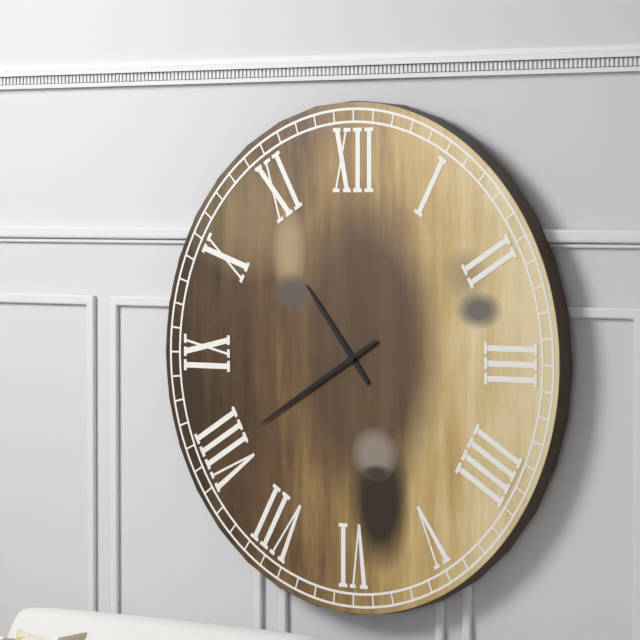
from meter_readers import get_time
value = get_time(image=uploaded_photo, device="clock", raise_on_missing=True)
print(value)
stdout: 10:40
